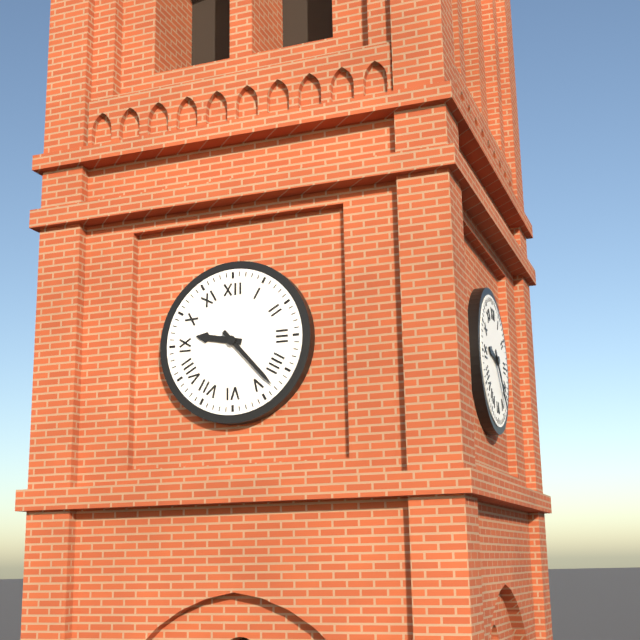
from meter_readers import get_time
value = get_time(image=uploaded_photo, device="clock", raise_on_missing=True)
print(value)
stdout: 9:23
